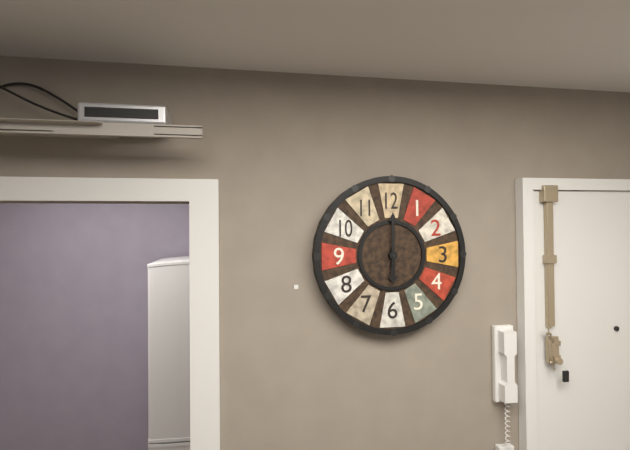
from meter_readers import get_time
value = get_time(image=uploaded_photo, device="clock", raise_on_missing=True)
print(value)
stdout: 6:00
